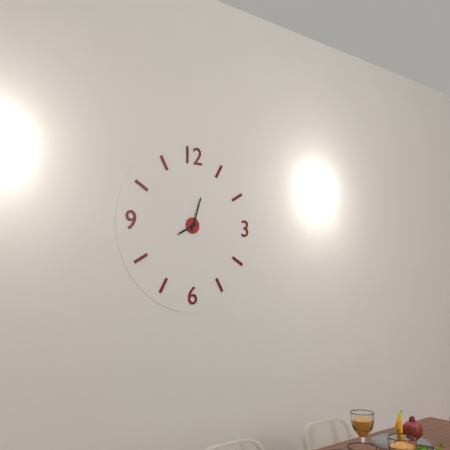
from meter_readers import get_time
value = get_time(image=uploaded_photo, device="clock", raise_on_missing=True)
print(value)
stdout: 8:03
